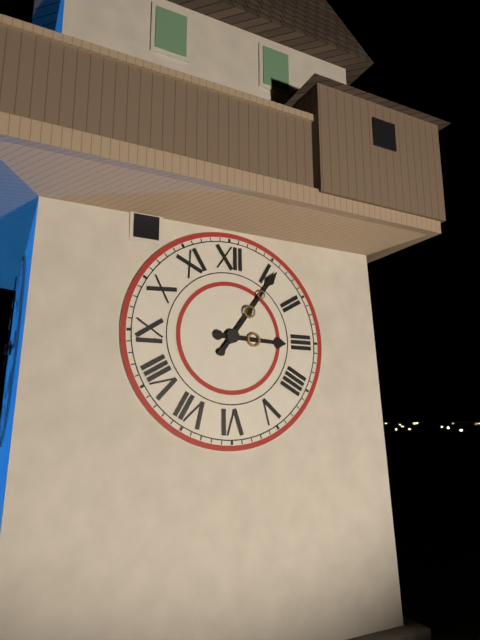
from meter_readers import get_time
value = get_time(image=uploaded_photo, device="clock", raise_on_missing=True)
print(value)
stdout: 3:06
